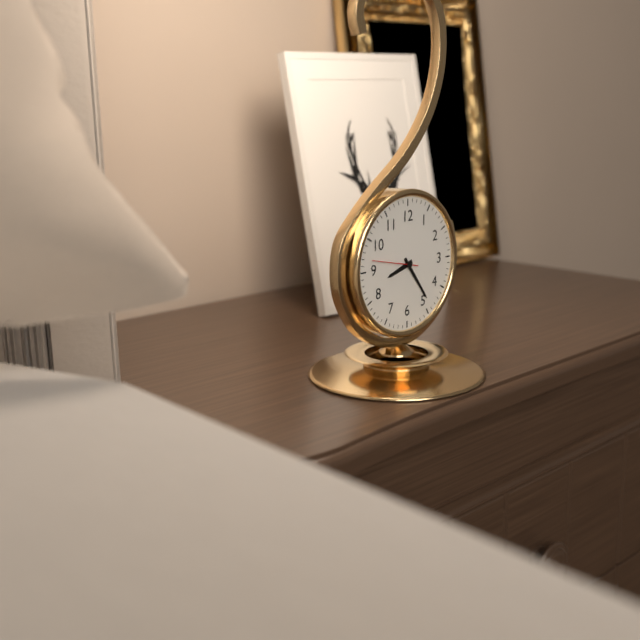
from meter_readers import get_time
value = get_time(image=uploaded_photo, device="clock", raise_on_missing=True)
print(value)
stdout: 8:24
